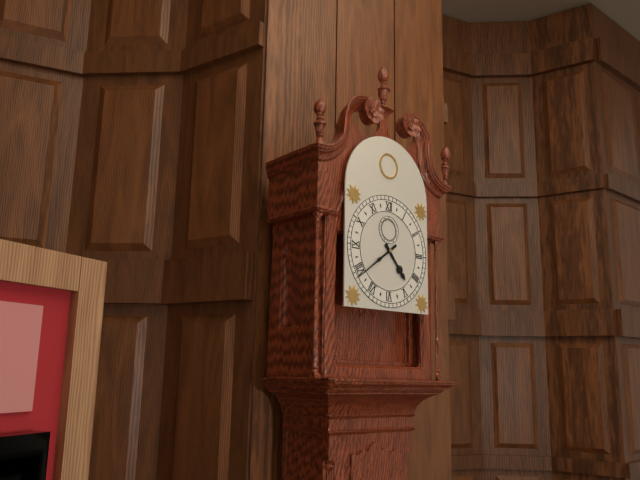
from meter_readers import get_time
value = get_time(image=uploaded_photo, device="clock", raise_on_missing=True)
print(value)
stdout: 4:39
